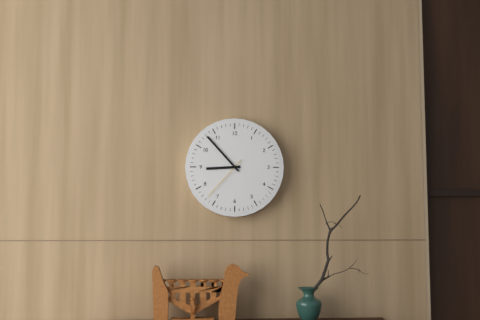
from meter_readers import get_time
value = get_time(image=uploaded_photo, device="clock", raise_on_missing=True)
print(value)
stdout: 8:53
